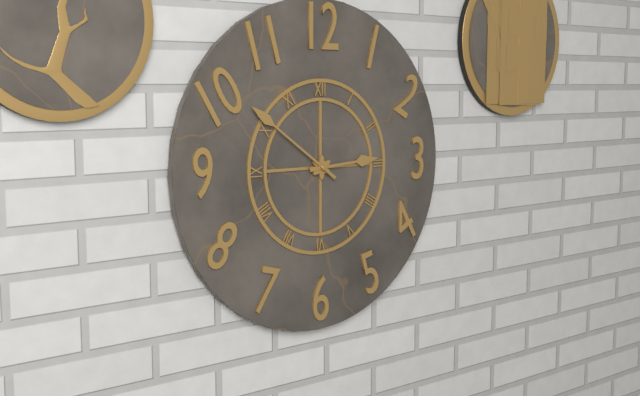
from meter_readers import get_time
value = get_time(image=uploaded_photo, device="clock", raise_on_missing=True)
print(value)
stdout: 2:51
